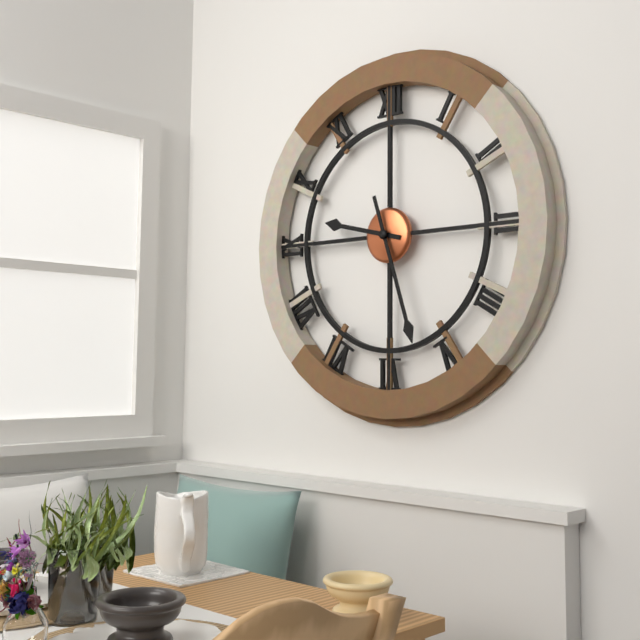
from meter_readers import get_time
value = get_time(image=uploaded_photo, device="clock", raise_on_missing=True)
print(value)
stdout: 9:27
